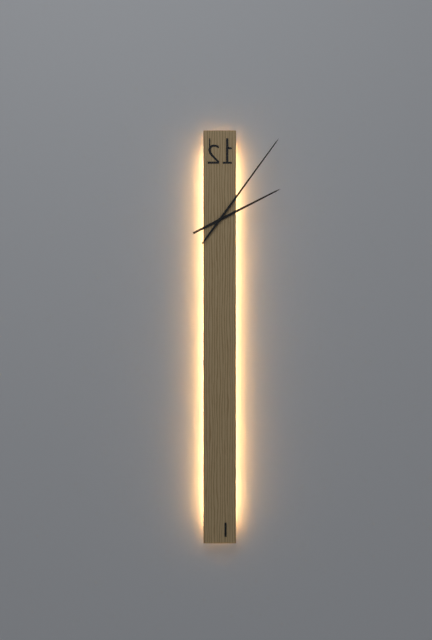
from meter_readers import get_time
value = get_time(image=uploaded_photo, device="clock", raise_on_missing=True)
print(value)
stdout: 2:06
